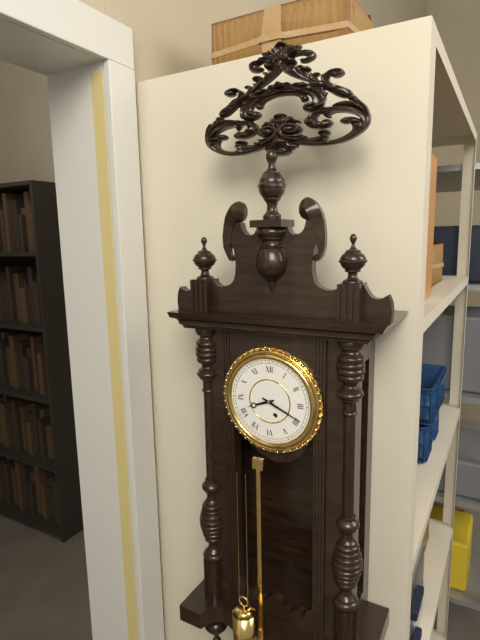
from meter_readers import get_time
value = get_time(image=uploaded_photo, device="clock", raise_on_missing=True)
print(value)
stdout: 8:19
